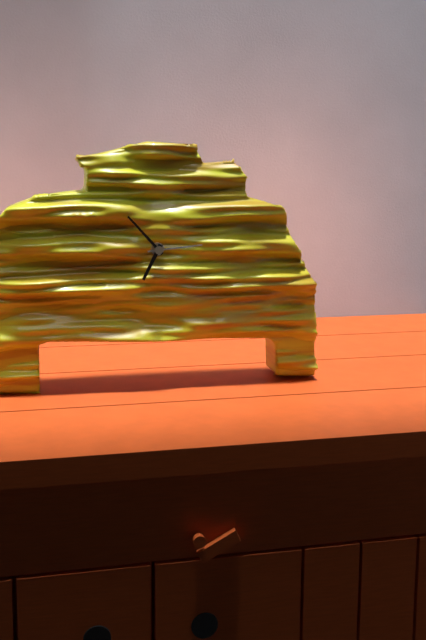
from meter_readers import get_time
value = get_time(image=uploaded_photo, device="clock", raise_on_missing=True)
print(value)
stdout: 6:53:14
